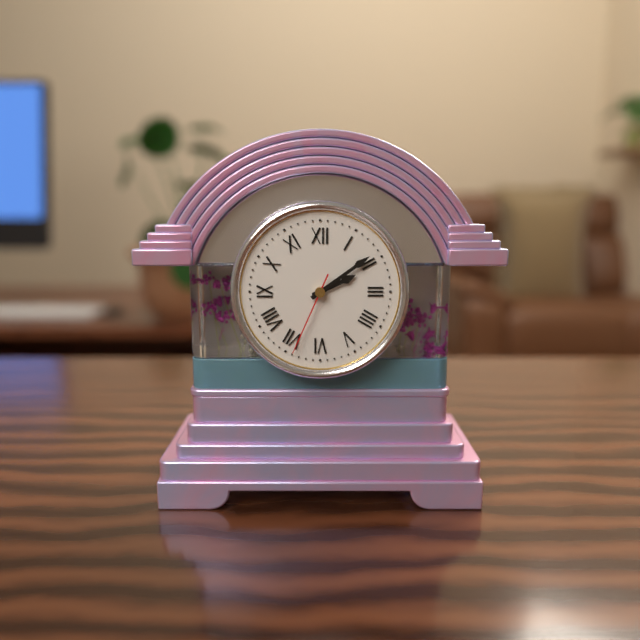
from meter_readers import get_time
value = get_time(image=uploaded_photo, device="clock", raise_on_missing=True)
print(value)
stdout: 2:09:34
